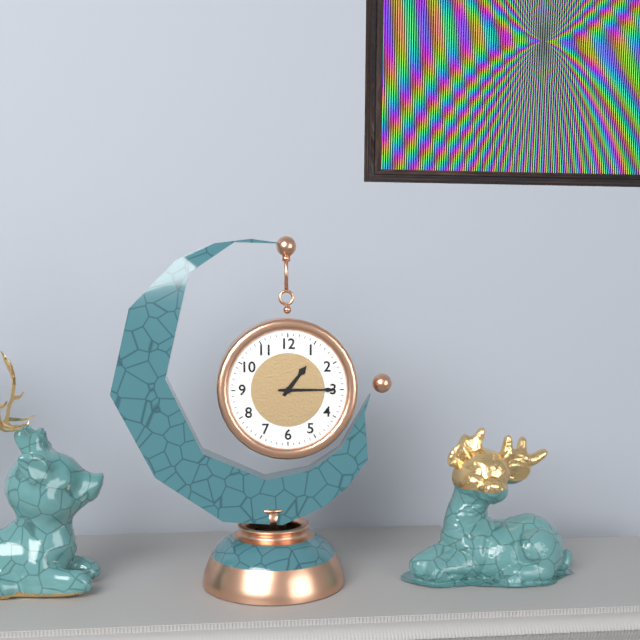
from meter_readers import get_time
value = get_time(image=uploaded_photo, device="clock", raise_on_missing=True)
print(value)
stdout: 1:15
